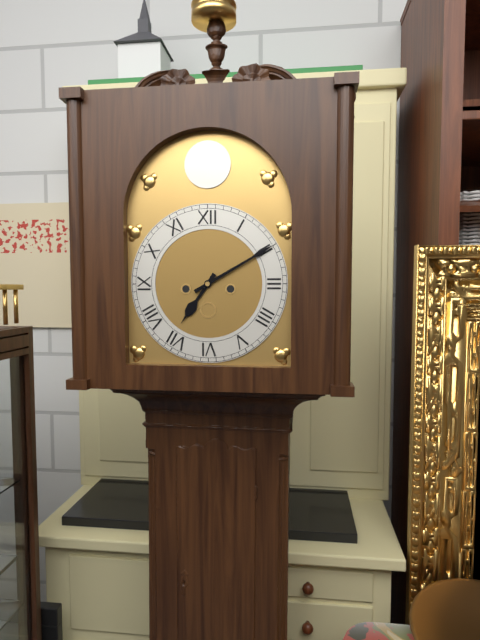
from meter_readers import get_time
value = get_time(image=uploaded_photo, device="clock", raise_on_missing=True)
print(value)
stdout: 7:10
